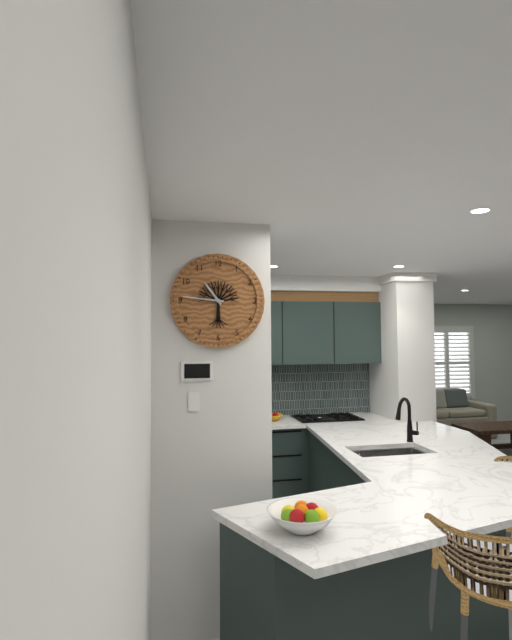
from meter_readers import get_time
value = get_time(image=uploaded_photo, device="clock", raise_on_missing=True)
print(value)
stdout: 10:46
